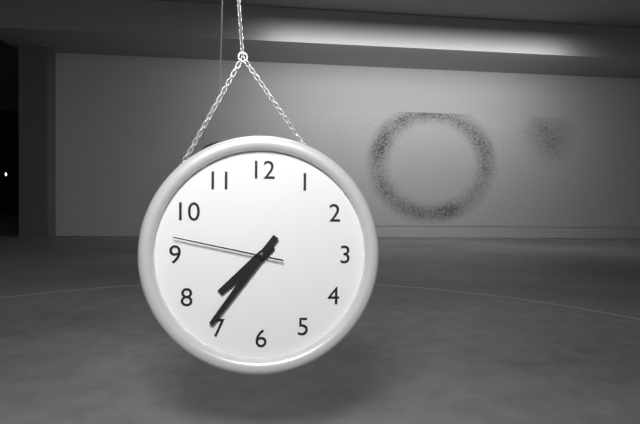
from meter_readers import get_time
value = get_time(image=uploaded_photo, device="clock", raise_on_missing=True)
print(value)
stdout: 7:36:47
